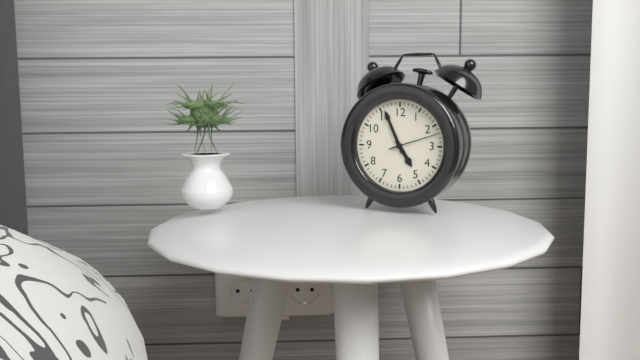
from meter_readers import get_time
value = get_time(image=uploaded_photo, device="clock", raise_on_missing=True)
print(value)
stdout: 4:56:12
